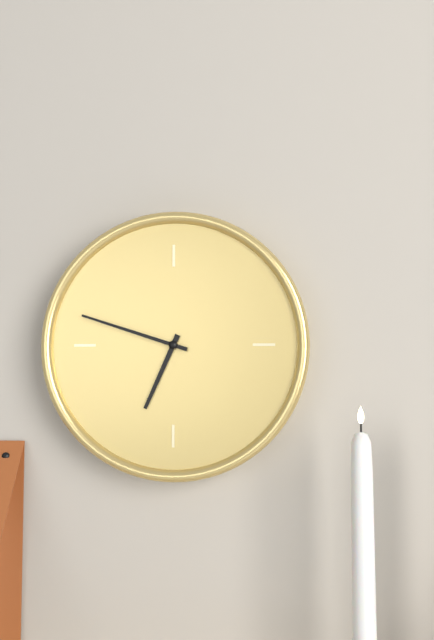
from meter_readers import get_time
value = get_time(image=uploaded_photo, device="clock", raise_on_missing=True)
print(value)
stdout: 6:48
